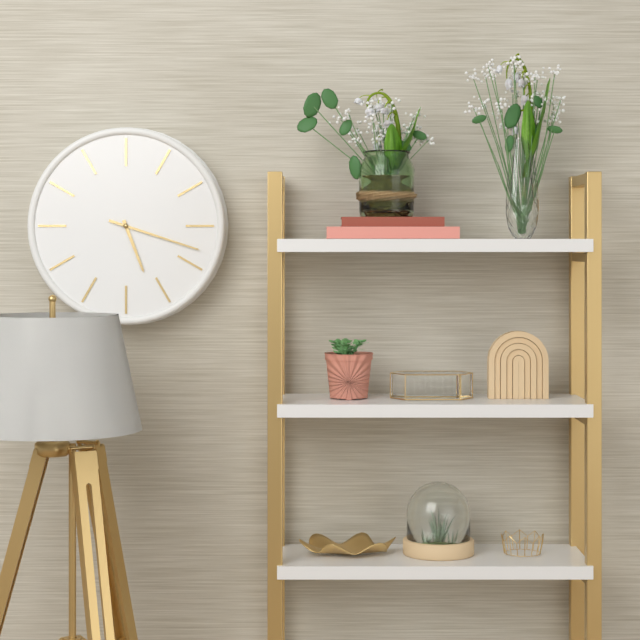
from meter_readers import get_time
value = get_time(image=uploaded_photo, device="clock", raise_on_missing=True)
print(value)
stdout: 5:18
